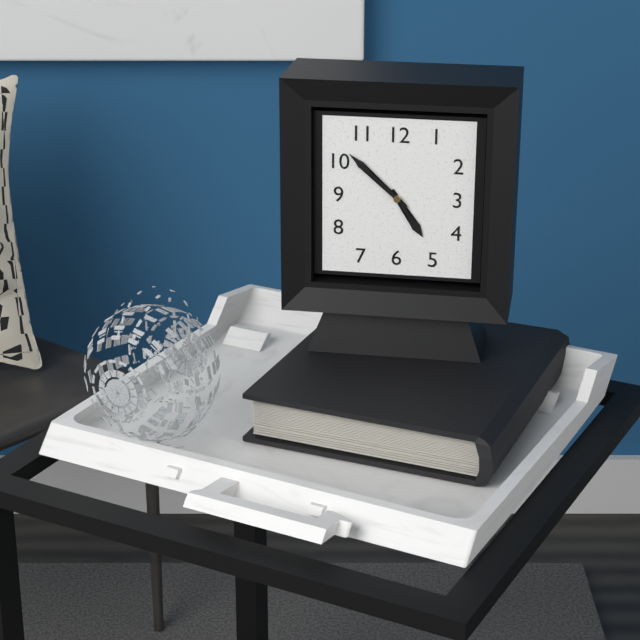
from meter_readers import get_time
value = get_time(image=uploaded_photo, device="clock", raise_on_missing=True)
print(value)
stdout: 4:52
